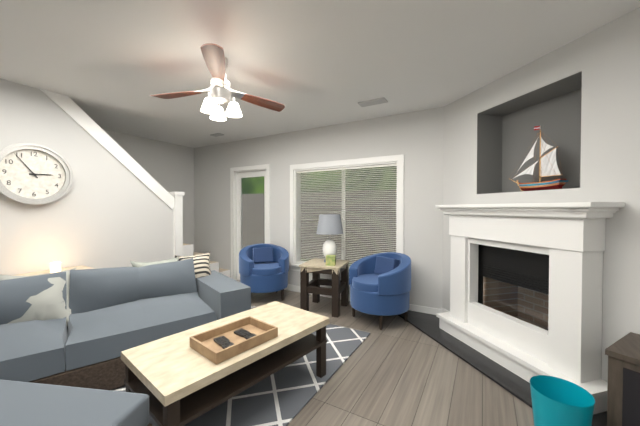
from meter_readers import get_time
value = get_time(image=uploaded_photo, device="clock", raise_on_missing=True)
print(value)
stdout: 2:54
